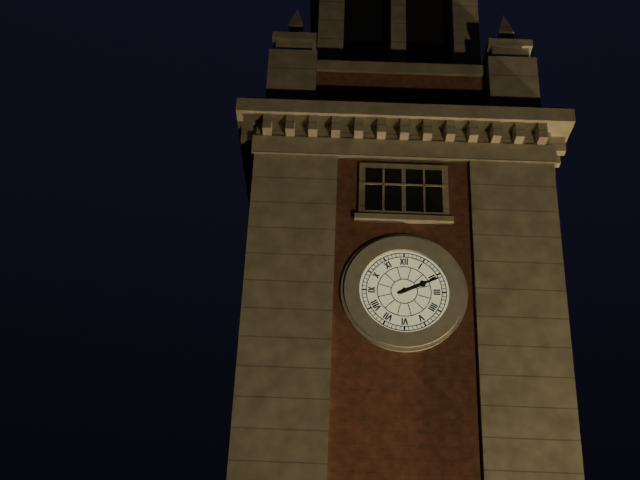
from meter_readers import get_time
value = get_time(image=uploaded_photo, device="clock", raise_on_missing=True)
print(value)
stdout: 2:11
